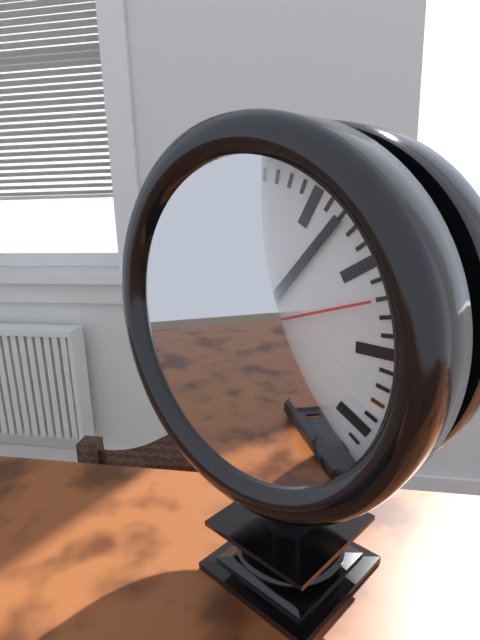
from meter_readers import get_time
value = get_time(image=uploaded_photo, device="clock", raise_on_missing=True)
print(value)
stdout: 10:07:12
